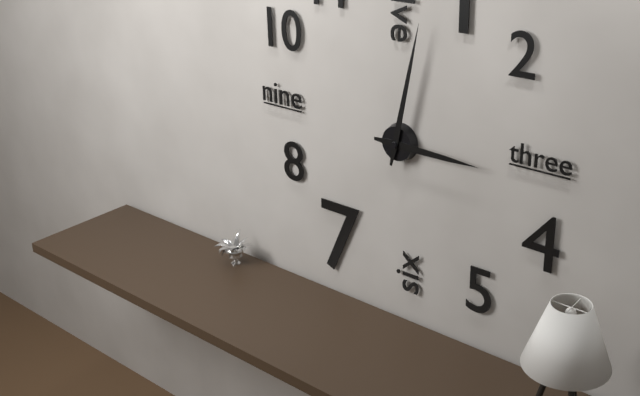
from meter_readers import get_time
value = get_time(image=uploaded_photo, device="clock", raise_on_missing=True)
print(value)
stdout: 3:02
